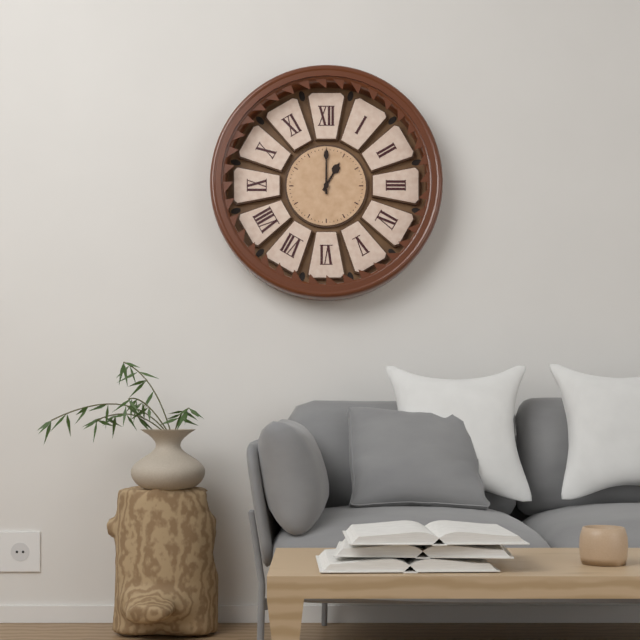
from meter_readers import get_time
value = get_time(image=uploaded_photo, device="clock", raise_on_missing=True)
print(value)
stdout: 1:00
